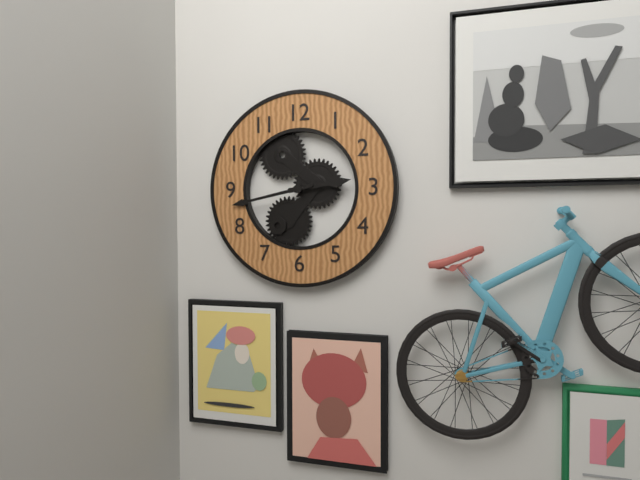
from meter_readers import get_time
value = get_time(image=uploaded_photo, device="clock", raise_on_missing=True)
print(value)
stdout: 2:43
